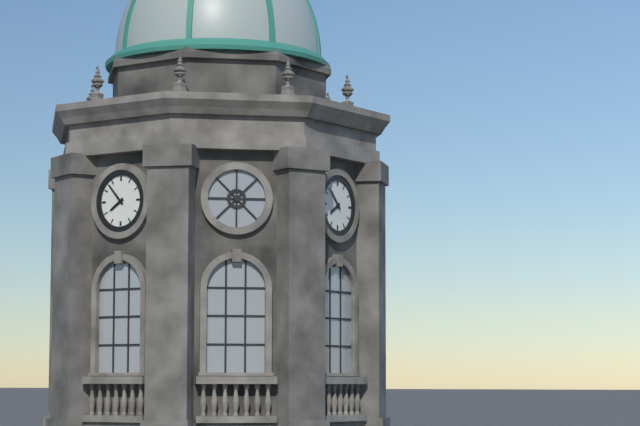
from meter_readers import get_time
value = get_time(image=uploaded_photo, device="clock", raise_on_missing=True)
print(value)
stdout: 7:53
